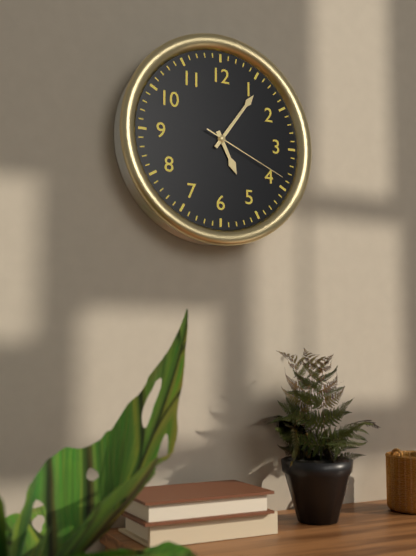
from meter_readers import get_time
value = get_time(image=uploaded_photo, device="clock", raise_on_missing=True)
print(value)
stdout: 5:06:19
